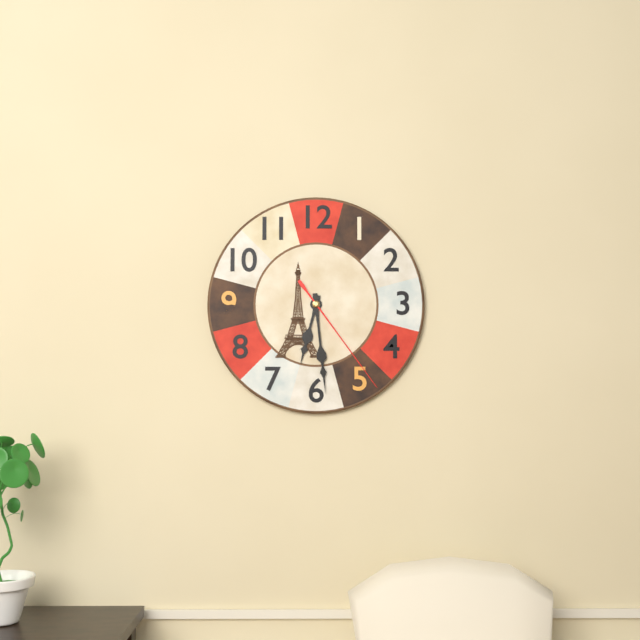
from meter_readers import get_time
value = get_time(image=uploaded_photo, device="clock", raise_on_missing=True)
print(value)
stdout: 6:29:24
